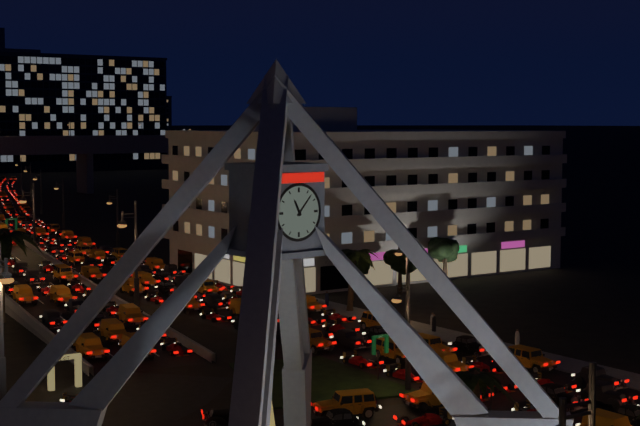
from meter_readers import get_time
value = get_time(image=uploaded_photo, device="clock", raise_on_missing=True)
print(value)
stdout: 11:07
